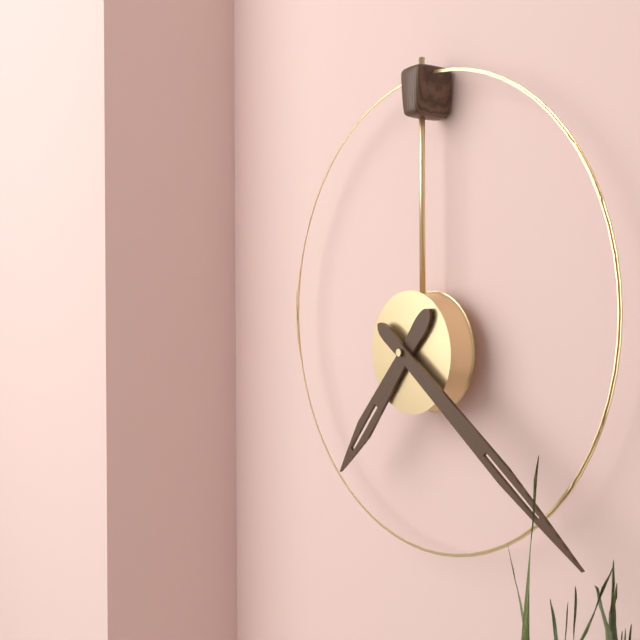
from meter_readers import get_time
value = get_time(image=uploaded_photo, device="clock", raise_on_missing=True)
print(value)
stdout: 7:21
